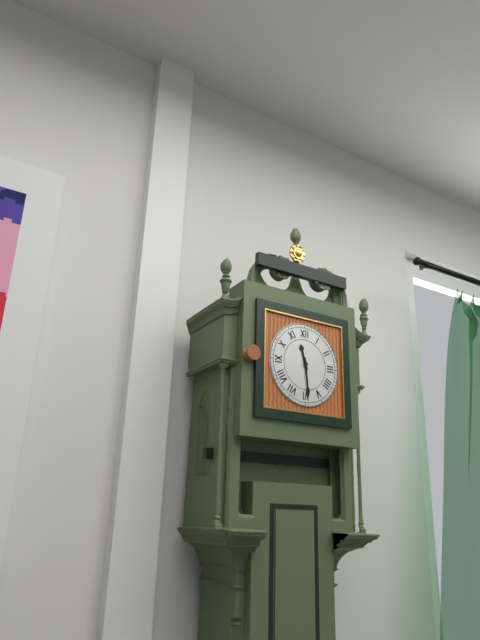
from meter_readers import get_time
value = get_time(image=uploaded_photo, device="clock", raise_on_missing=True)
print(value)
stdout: 11:29
